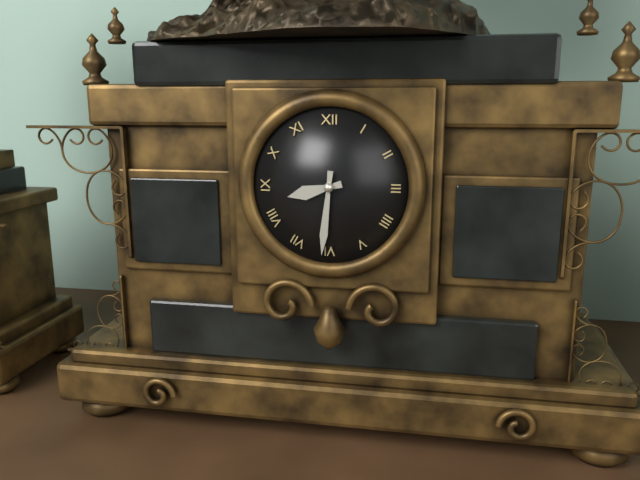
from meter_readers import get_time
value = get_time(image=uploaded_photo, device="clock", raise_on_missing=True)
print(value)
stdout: 8:31
